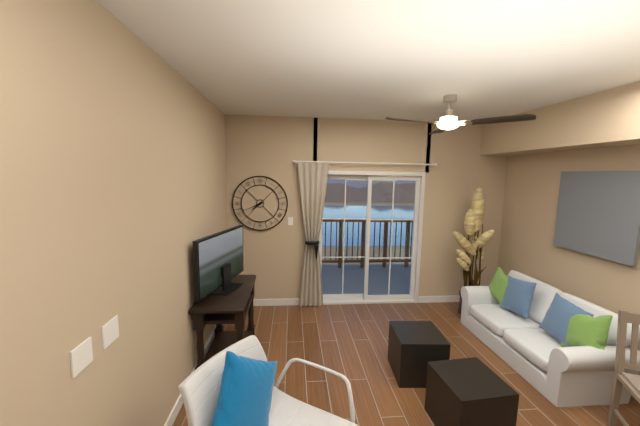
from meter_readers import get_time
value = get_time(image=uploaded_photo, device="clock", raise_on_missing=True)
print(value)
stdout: 7:41
